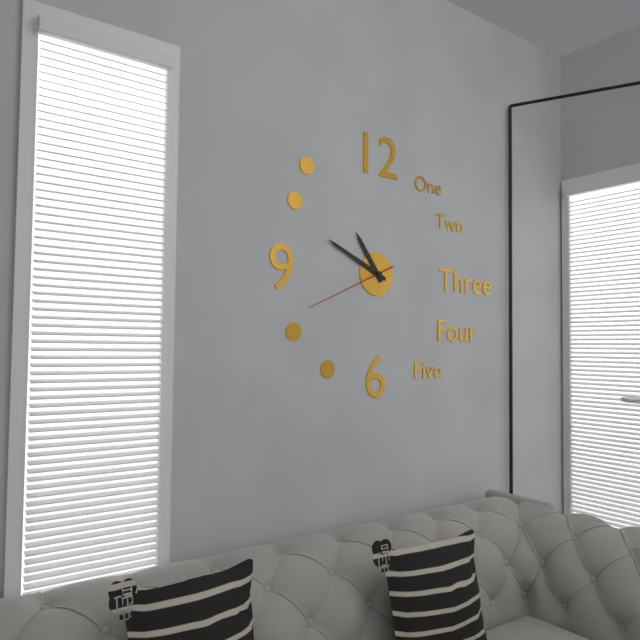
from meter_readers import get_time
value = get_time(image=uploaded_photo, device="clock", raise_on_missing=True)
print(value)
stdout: 10:49:41
